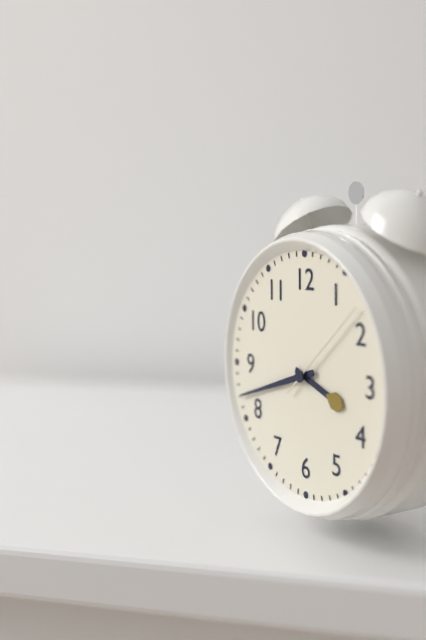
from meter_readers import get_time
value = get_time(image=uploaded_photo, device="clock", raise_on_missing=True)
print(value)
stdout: 3:42:08
